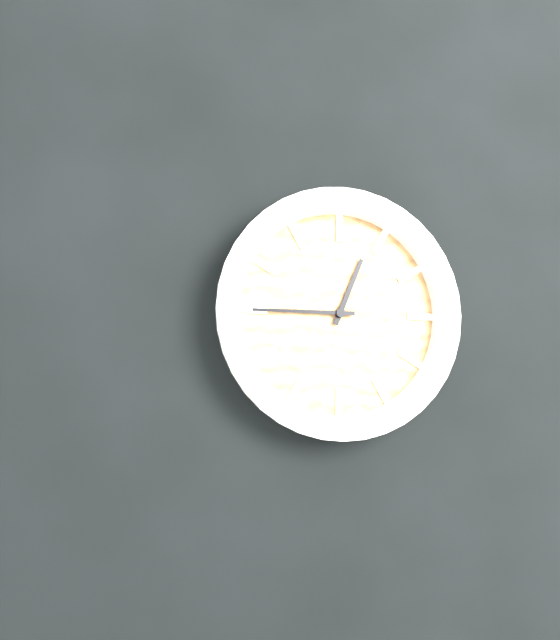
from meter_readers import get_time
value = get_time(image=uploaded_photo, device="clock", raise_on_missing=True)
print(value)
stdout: 12:45
